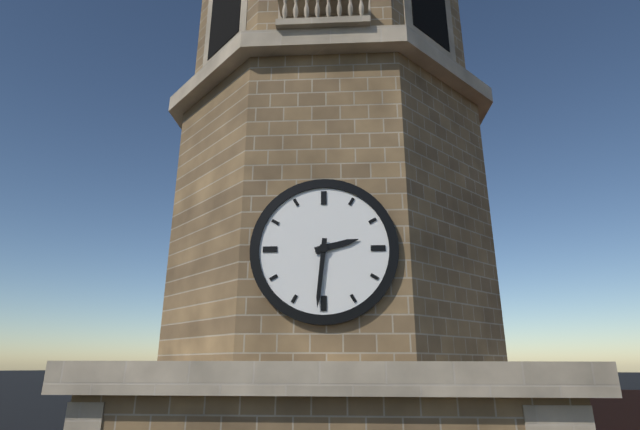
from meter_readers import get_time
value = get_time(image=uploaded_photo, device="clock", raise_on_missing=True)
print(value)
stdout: 2:31
